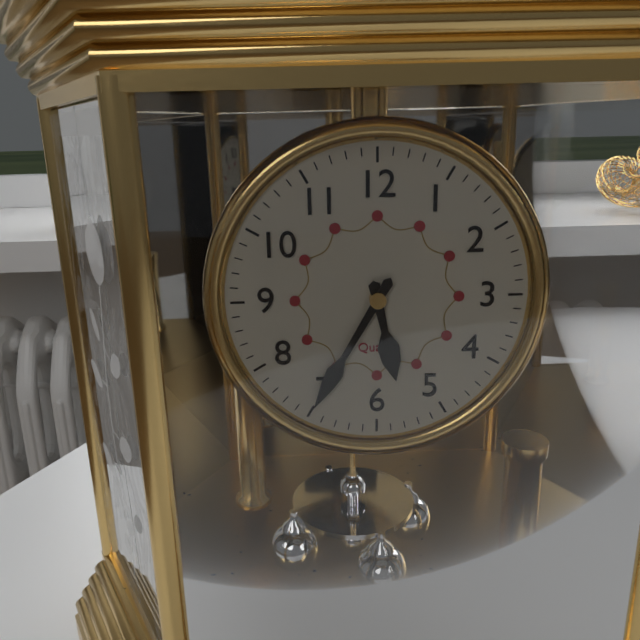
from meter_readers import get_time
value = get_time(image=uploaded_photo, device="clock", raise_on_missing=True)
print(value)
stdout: 5:35
